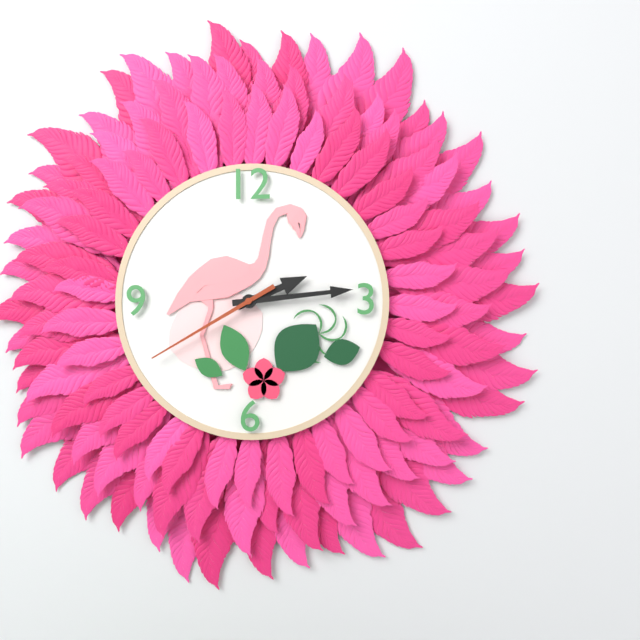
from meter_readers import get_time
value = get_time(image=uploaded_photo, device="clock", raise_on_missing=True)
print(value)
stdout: 2:14:40
